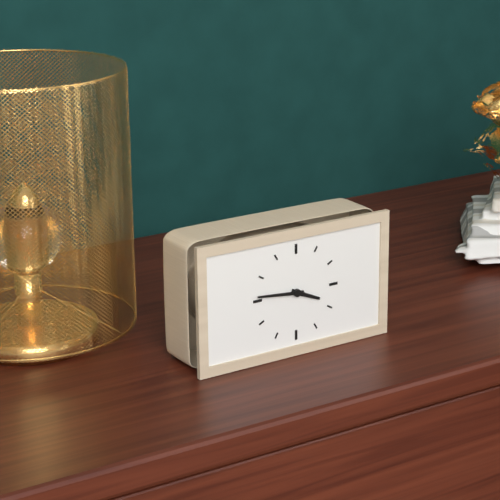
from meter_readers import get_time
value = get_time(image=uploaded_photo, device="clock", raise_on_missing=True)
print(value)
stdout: 3:46
